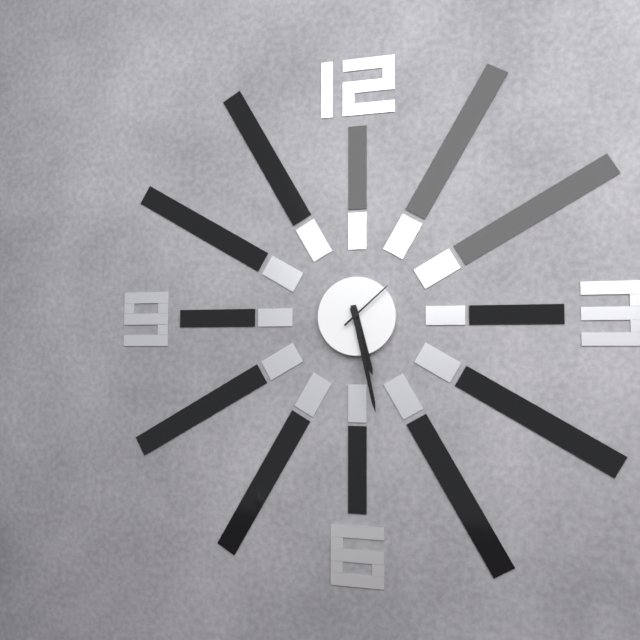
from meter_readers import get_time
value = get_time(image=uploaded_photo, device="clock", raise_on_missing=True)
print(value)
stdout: 5:28:08
